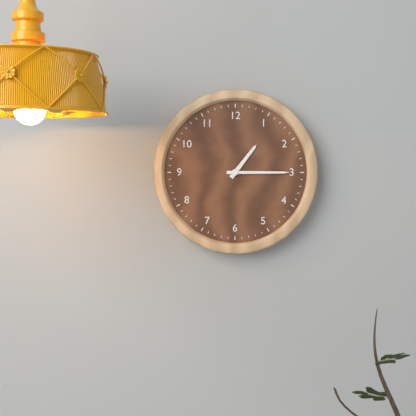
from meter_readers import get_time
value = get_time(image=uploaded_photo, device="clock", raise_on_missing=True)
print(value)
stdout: 1:15
